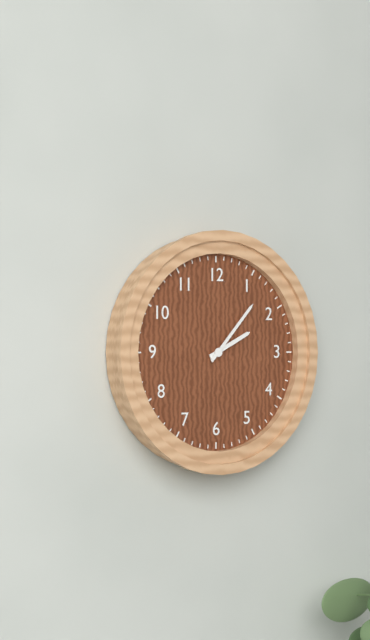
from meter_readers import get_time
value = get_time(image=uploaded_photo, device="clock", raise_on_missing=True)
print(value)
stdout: 2:07
